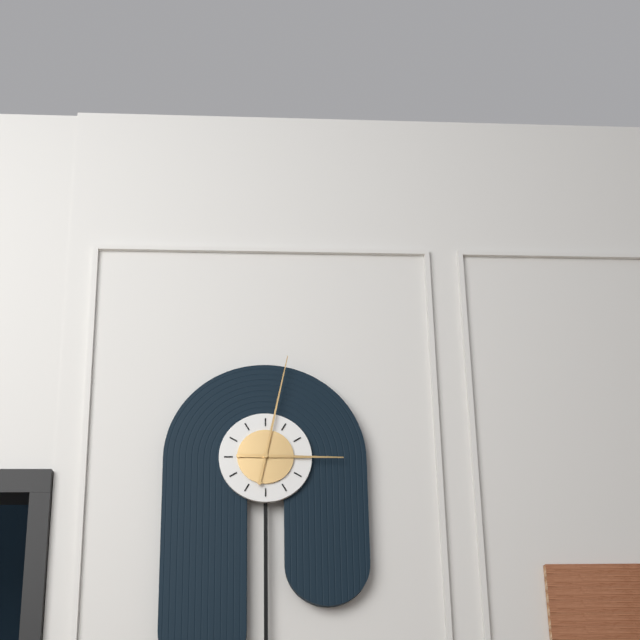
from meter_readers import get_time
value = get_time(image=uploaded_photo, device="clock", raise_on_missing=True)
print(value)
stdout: 3:02
